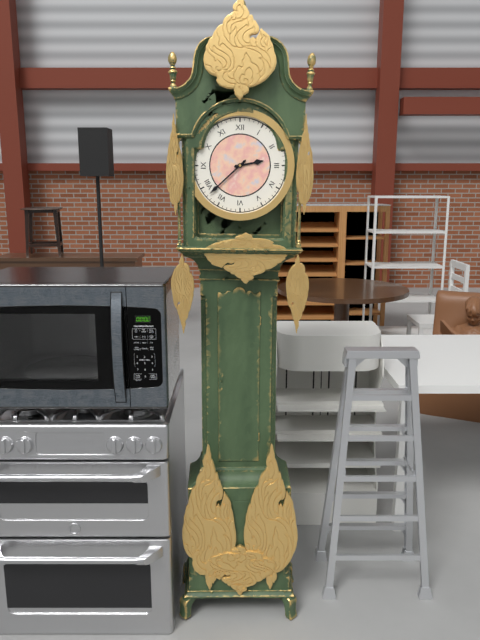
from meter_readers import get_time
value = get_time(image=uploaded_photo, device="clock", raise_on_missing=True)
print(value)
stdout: 2:38
